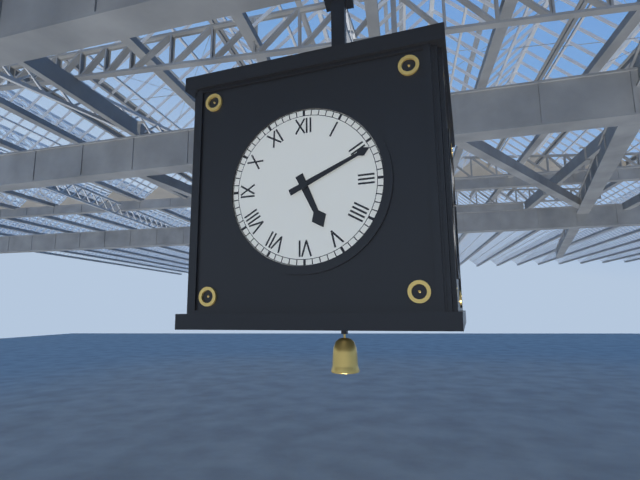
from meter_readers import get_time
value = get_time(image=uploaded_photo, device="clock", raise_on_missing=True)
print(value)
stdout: 5:11
